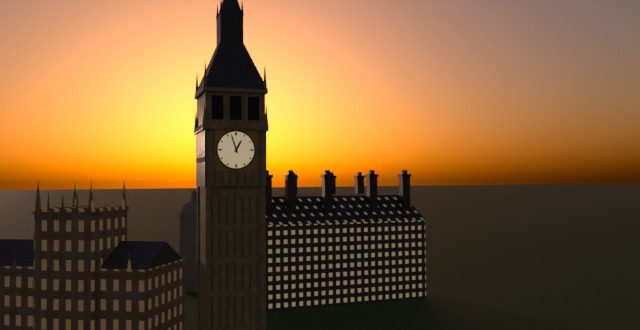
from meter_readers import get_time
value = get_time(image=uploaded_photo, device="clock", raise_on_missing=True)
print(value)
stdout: 12:57
